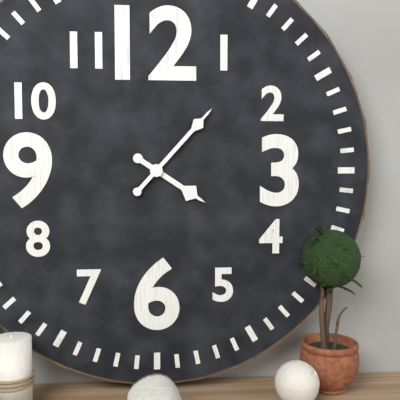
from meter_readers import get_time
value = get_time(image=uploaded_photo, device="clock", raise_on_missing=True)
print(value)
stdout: 4:07
